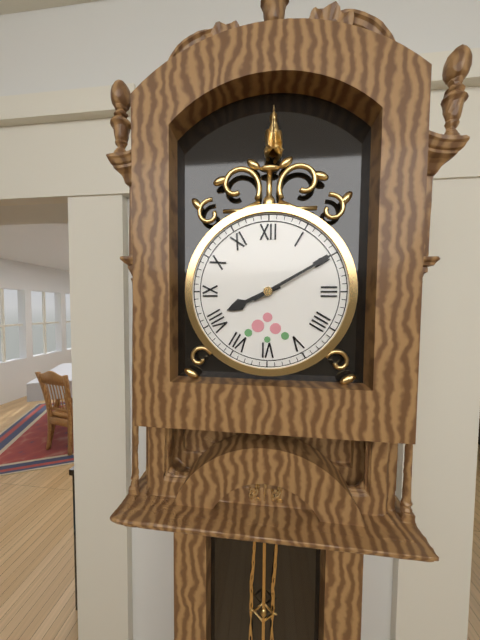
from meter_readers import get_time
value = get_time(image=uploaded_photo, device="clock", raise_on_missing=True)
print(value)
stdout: 8:10
